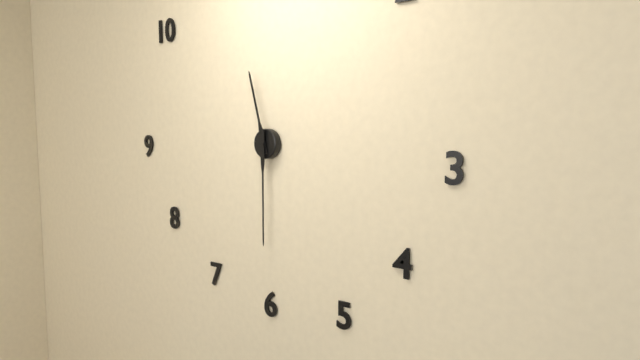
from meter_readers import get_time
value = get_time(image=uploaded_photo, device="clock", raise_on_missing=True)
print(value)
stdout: 11:30
